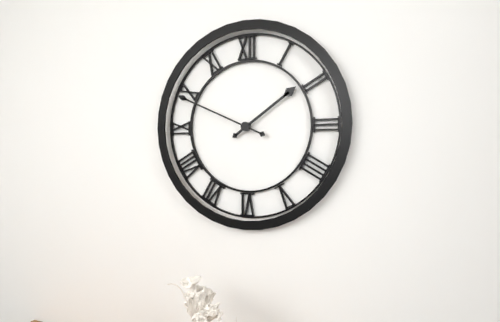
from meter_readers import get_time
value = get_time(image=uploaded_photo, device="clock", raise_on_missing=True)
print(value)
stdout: 1:49
